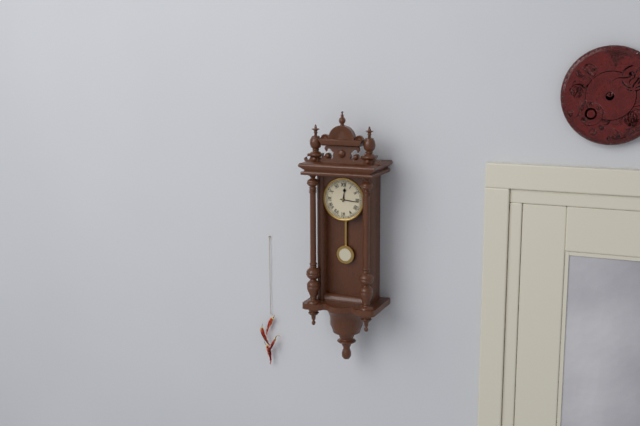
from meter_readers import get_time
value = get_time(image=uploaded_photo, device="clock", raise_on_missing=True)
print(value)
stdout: 12:16
